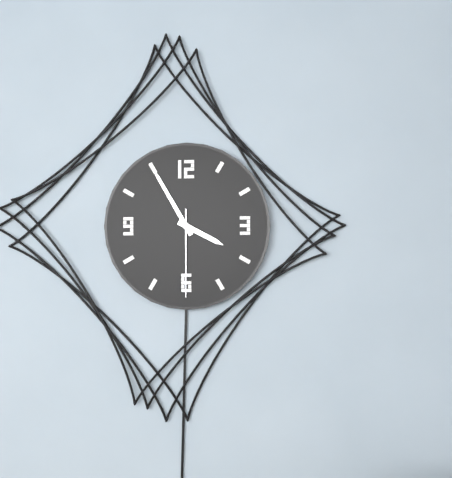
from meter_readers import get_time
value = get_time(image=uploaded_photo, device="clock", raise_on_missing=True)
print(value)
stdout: 3:55:30
